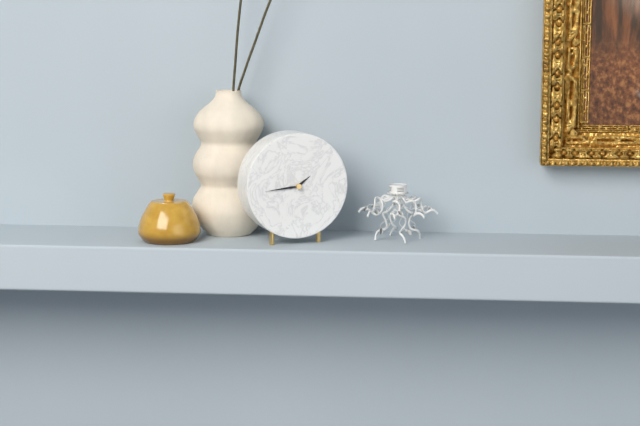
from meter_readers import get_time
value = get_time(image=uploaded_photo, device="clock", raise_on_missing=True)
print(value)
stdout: 1:44
